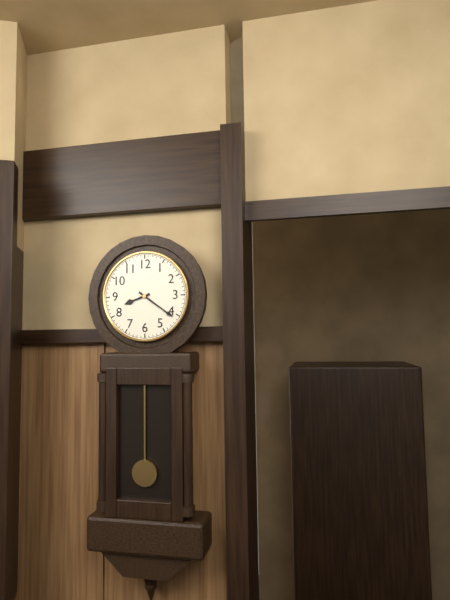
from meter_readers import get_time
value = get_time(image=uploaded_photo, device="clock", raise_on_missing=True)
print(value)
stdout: 8:21
